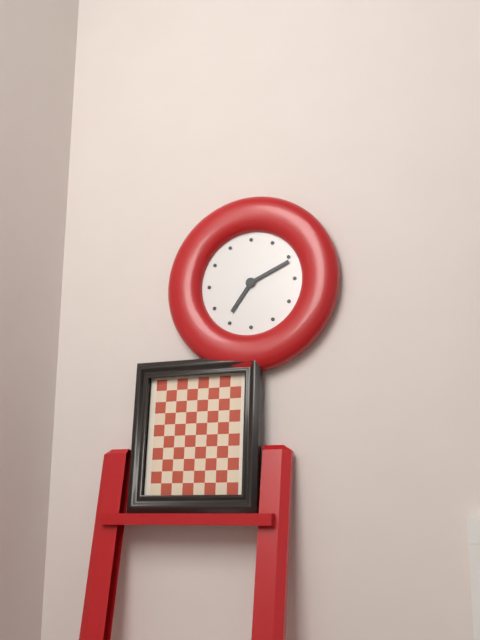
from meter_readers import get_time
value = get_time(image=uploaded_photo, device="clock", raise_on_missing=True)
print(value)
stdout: 7:11
